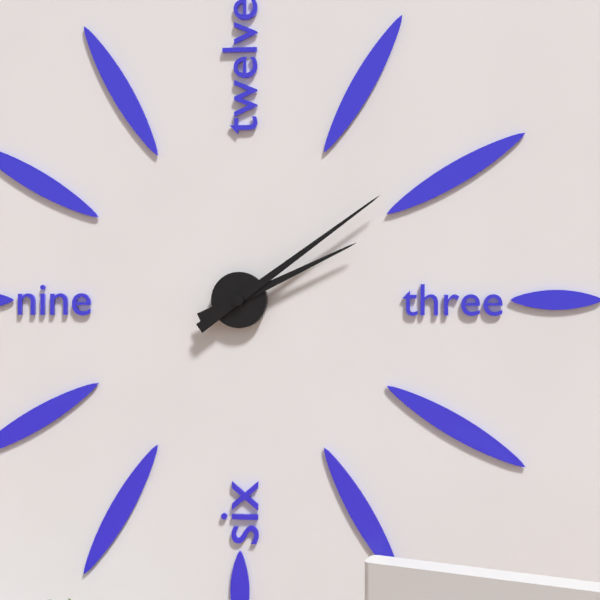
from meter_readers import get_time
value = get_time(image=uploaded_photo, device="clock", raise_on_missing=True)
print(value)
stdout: 2:09
